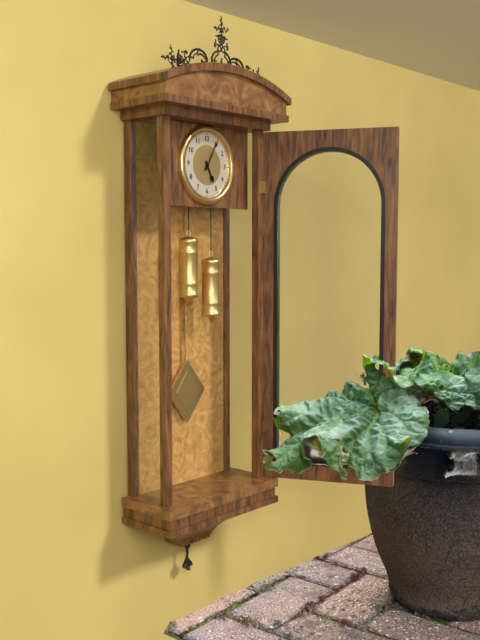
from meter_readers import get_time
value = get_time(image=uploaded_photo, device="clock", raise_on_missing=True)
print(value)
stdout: 5:05
